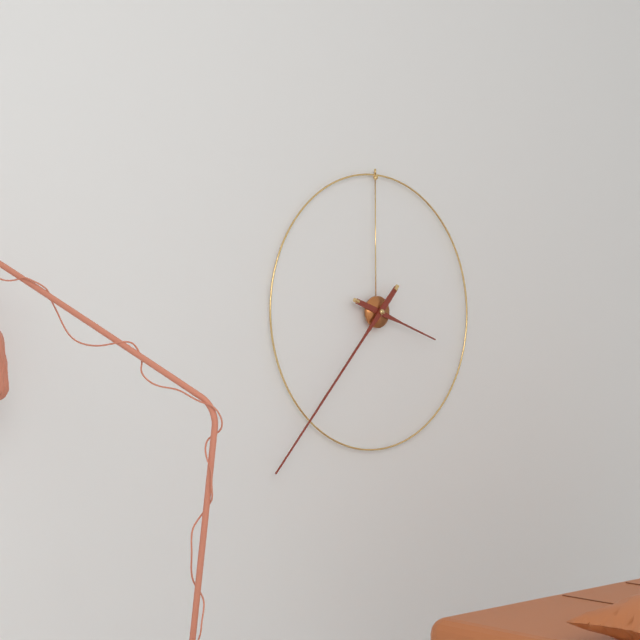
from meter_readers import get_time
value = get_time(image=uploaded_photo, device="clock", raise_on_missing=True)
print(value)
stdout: 3:37
